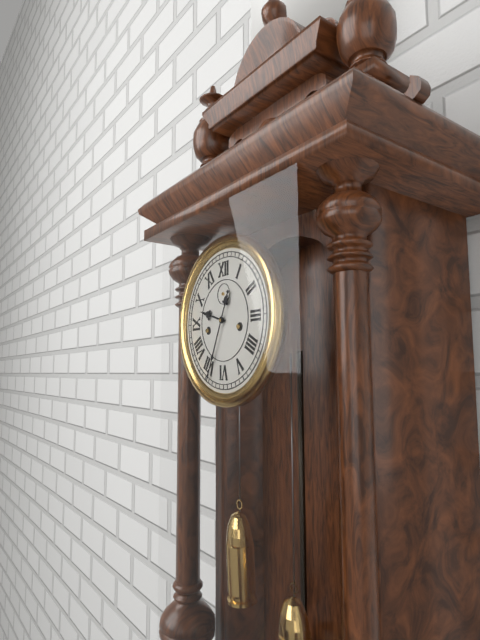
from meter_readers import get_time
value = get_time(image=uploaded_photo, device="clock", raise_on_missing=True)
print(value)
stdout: 9:34
